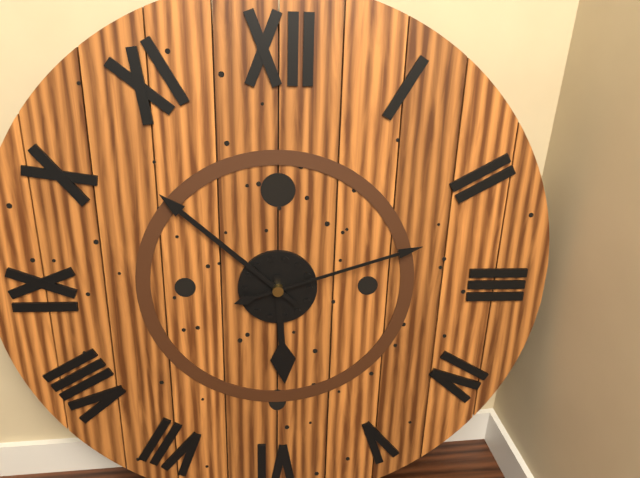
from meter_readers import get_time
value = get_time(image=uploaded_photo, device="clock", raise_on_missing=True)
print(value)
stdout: 5:52:12
